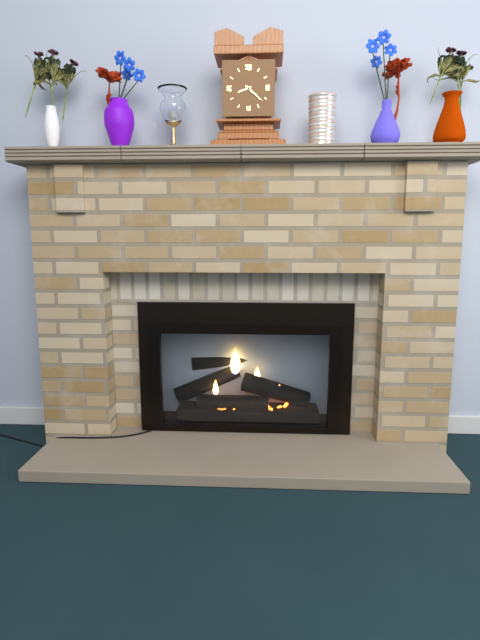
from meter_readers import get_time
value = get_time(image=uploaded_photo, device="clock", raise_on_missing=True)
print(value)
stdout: 8:22
